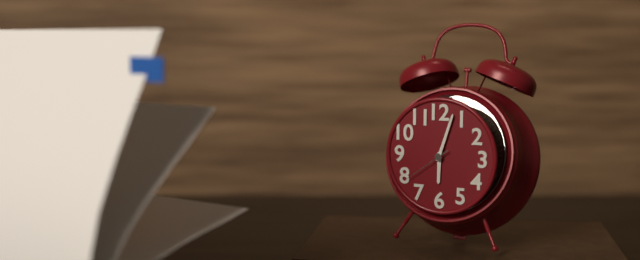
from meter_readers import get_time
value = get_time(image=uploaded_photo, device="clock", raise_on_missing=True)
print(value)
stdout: 6:03
